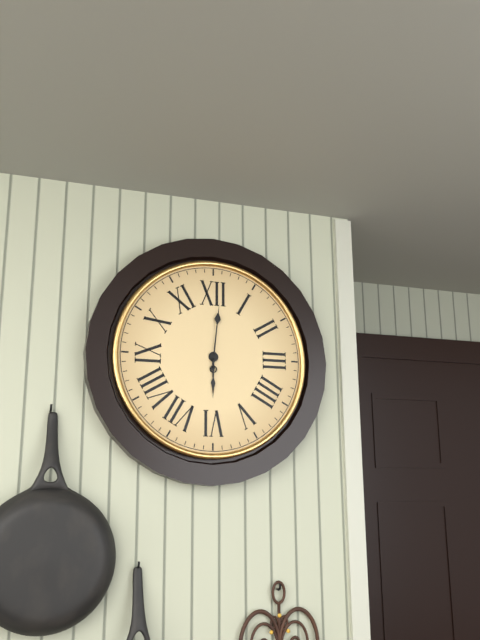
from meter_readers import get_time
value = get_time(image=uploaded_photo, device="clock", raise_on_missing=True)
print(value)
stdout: 6:01
